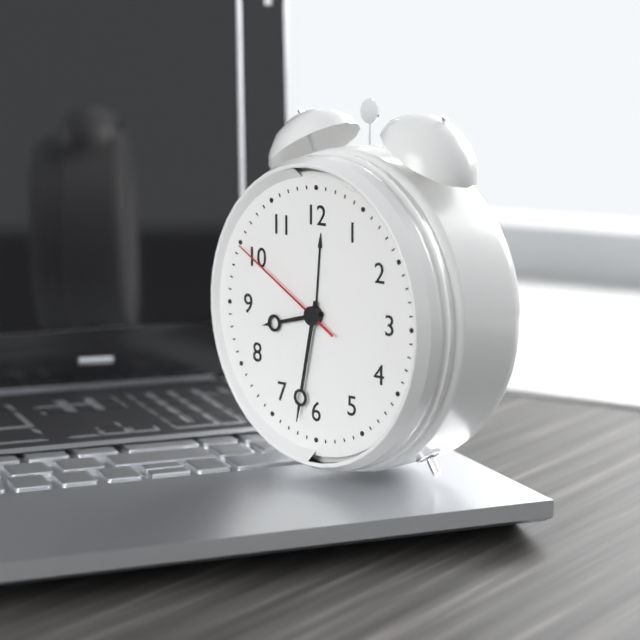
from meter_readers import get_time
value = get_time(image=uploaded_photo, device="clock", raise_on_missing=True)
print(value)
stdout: 8:32:50
